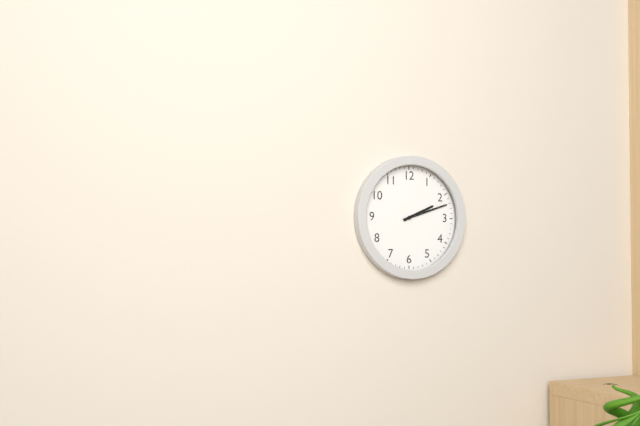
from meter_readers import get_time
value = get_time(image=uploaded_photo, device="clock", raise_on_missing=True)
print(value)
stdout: 2:12
